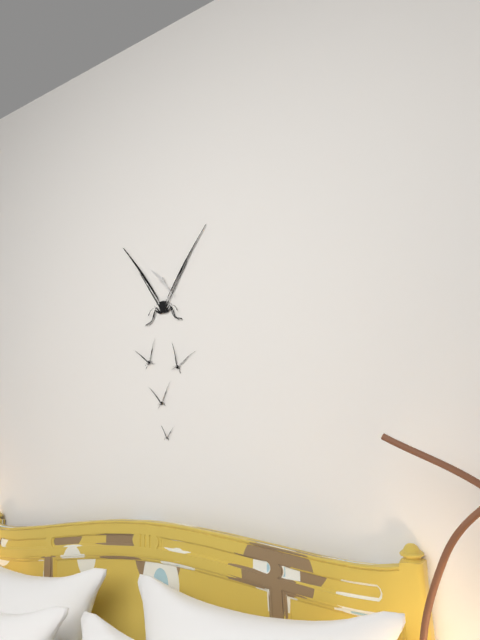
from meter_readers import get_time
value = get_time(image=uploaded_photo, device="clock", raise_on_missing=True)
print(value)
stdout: 10:24
